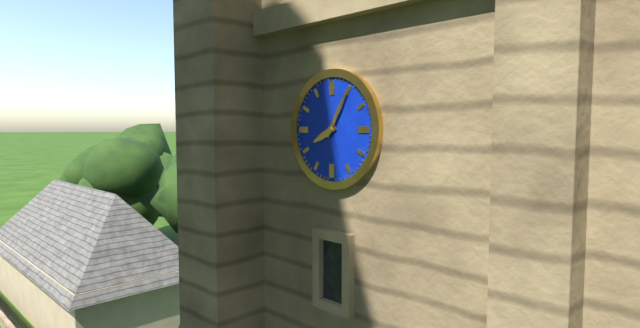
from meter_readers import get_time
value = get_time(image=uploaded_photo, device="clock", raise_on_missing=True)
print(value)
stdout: 8:05
